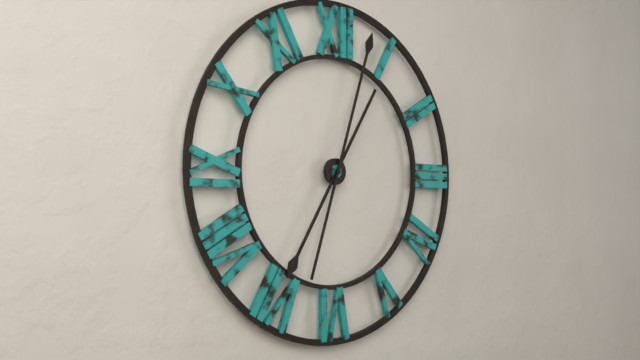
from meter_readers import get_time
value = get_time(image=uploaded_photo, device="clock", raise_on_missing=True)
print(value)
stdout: 7:03
